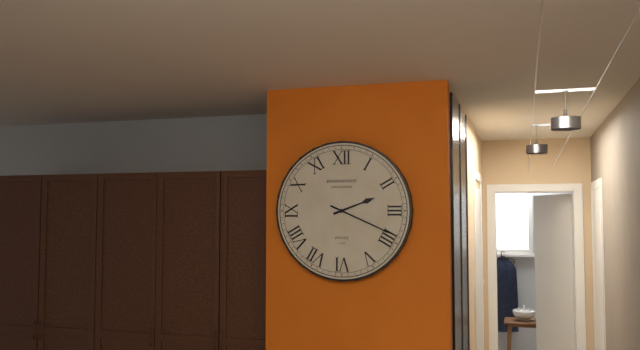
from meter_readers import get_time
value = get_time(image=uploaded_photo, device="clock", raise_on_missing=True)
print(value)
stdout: 2:19
